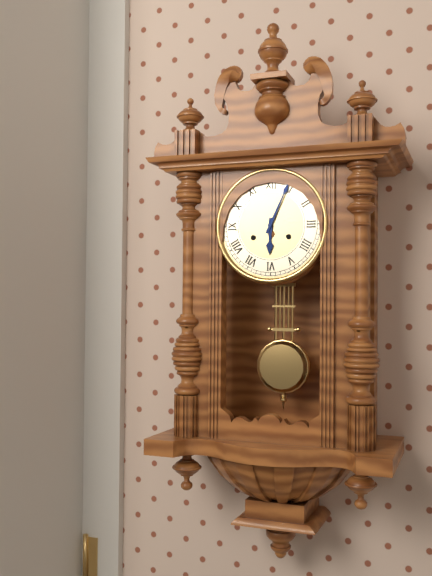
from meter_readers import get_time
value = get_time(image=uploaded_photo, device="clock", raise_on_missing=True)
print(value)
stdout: 6:04
